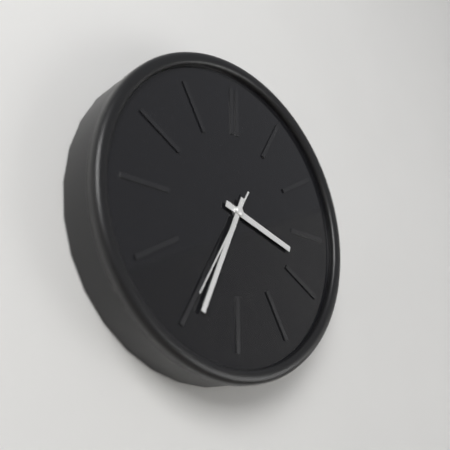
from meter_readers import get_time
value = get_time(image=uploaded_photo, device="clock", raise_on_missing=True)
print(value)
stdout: 3:34:35
